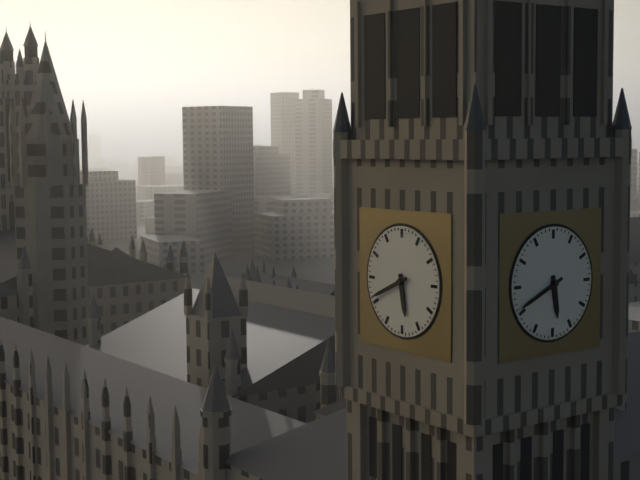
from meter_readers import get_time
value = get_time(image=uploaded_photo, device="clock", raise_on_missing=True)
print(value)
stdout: 5:41
